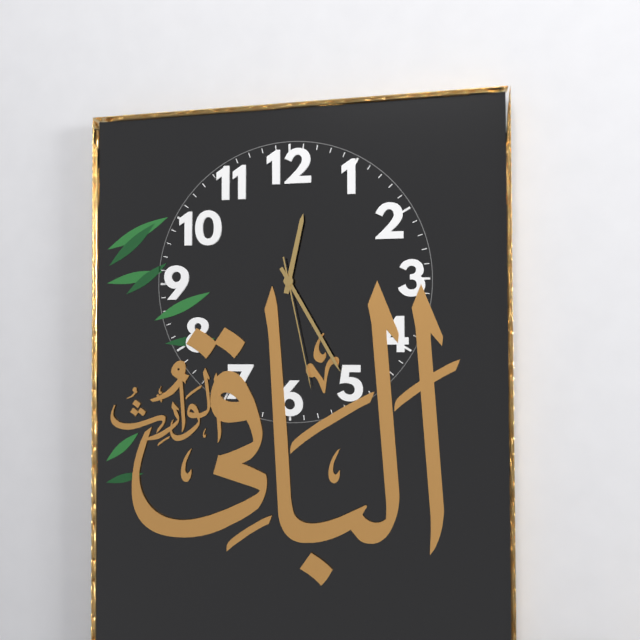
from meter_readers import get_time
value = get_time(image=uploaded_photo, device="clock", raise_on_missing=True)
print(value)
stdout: 12:25:28
